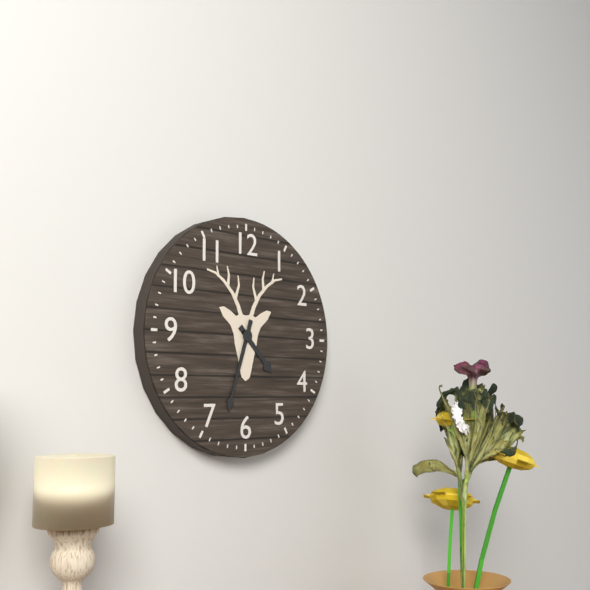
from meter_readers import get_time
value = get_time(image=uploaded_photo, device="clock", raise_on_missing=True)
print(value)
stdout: 4:33
